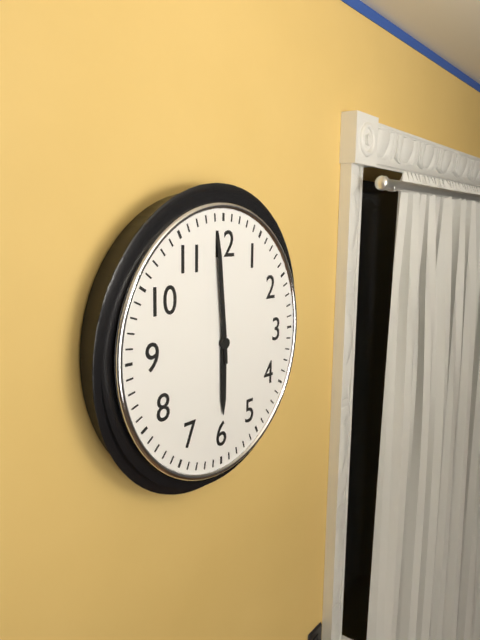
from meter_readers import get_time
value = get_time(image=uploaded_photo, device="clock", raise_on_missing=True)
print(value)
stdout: 5:59
